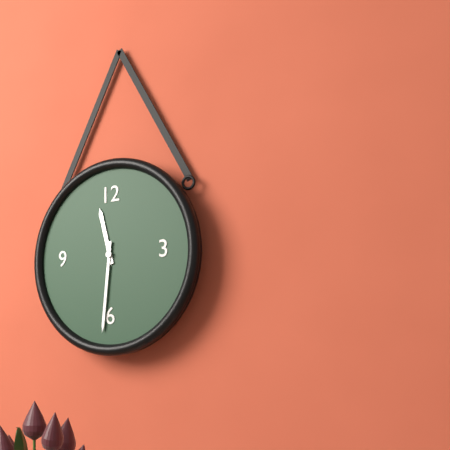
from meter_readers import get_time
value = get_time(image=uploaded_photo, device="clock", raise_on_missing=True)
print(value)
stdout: 11:31
